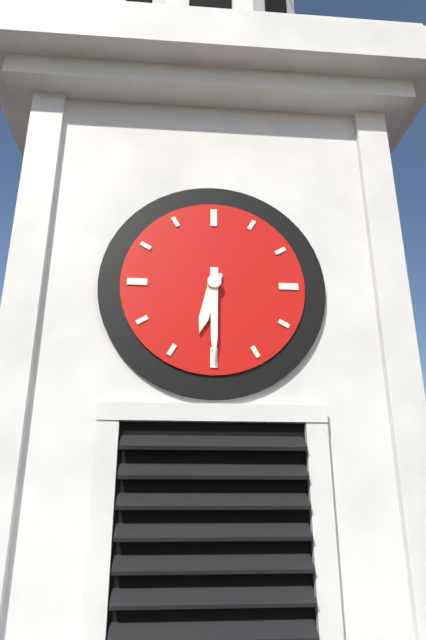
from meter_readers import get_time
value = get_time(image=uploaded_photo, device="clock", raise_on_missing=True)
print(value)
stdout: 6:30
